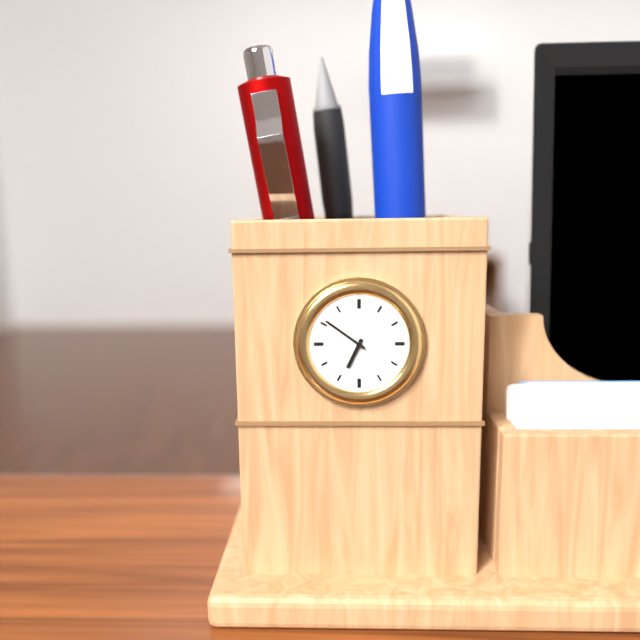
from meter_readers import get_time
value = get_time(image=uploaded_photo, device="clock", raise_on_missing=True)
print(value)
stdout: 6:51
